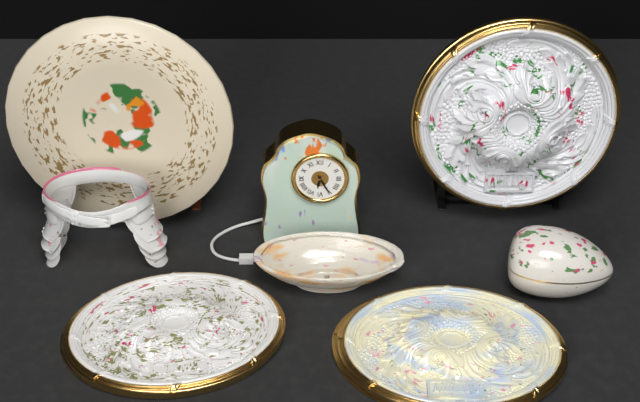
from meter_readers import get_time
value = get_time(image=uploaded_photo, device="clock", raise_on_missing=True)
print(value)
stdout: 6:25
